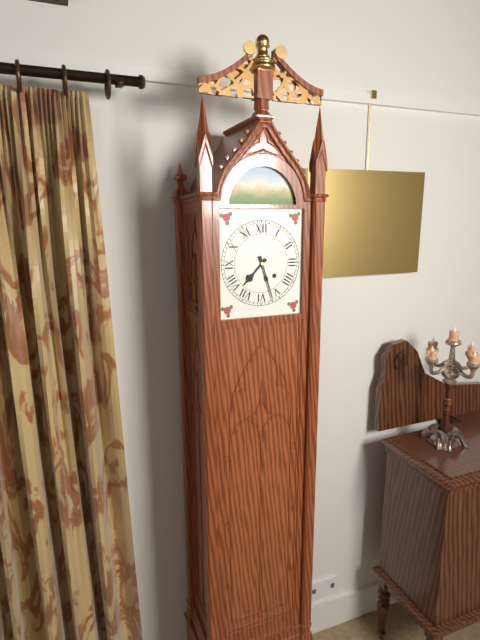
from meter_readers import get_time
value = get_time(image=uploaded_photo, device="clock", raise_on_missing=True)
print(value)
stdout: 7:27
